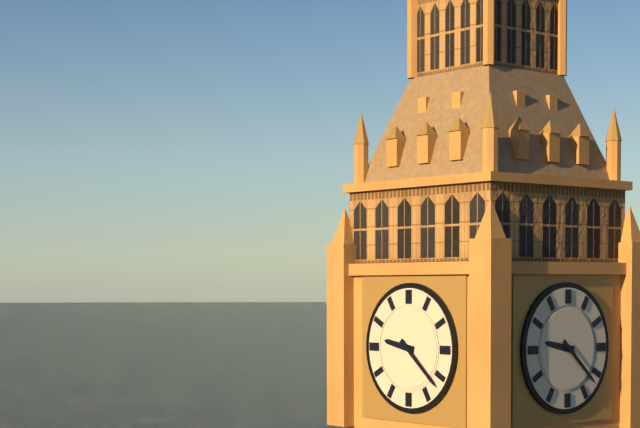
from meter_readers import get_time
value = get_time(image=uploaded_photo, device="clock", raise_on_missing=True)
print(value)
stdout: 9:22
